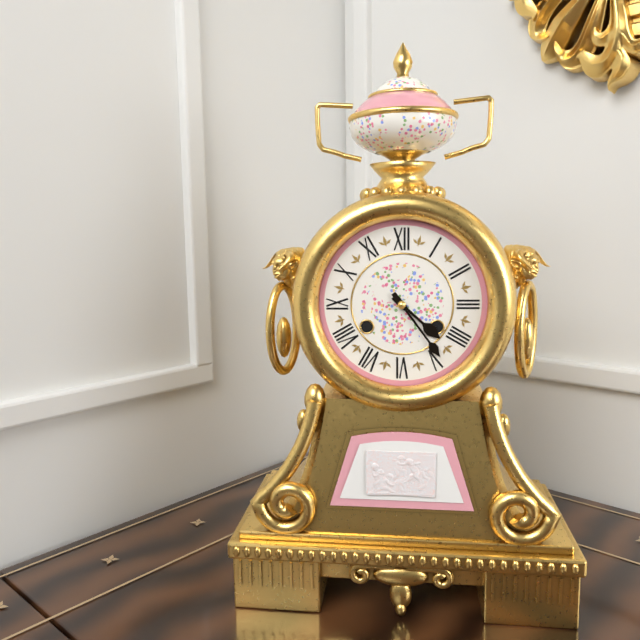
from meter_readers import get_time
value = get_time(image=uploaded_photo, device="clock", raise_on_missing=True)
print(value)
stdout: 4:24
